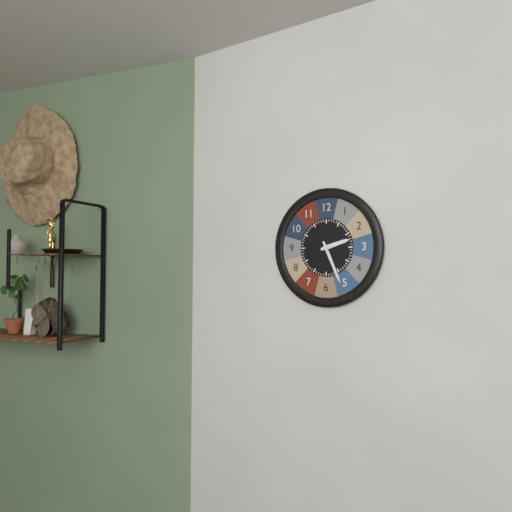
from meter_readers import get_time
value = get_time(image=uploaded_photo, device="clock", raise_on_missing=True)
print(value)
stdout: 2:26
